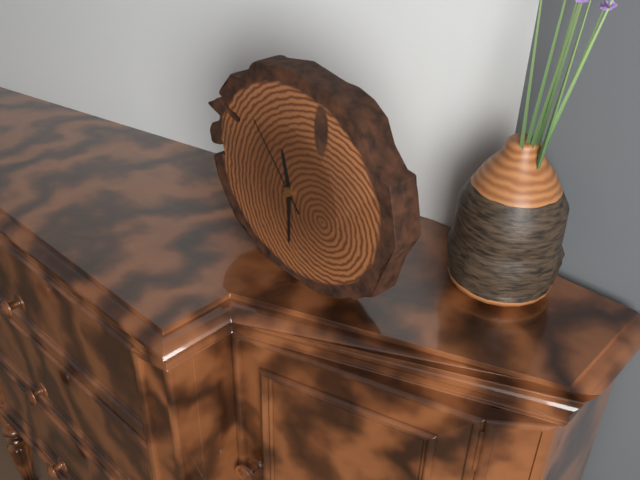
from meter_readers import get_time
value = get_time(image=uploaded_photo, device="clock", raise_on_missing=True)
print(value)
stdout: 11:30:53
